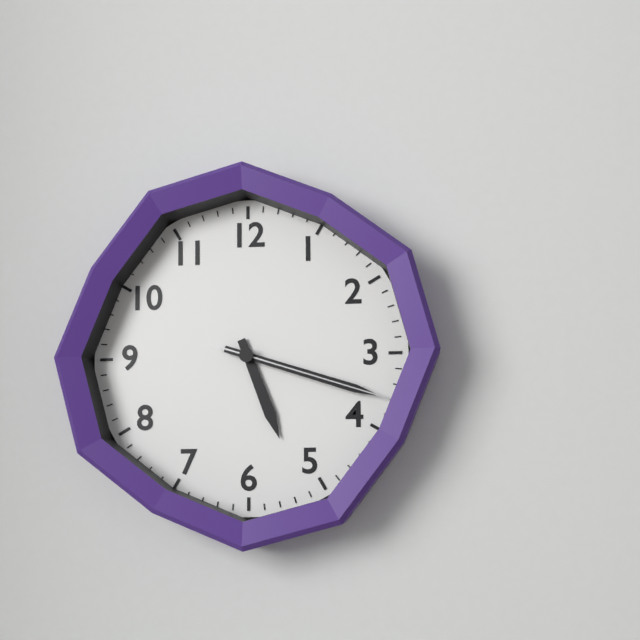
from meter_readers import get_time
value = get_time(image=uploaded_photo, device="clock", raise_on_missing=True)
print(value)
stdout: 5:18:18
